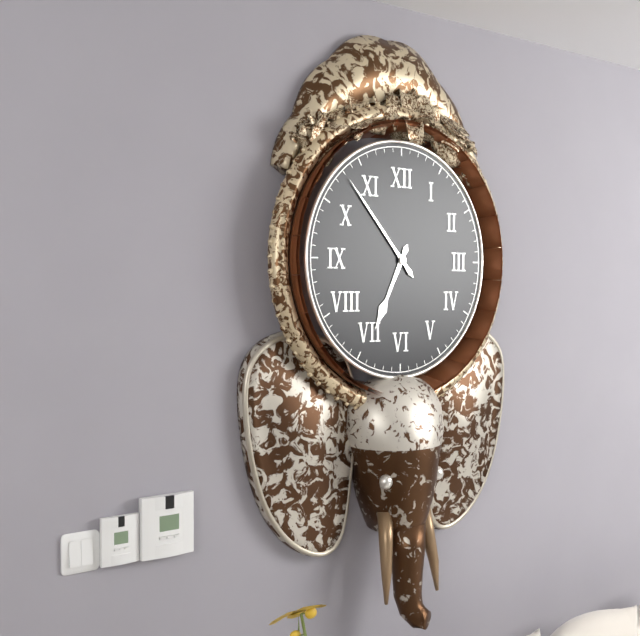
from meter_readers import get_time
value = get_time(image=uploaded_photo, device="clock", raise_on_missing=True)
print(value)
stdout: 6:53
